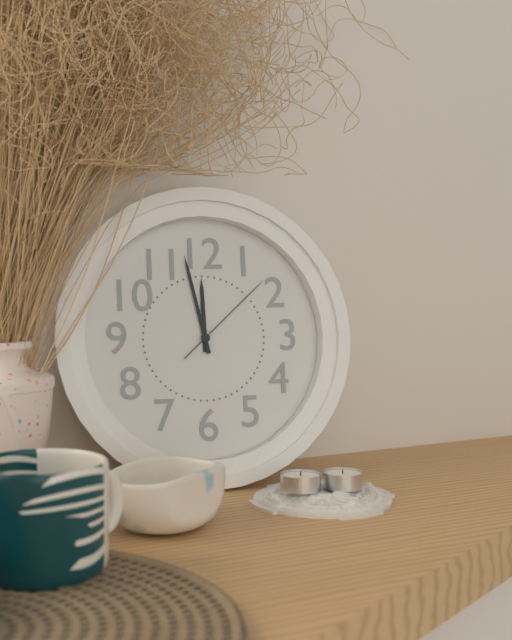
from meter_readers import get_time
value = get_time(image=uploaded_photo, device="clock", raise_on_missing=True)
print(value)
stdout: 11:58:08
